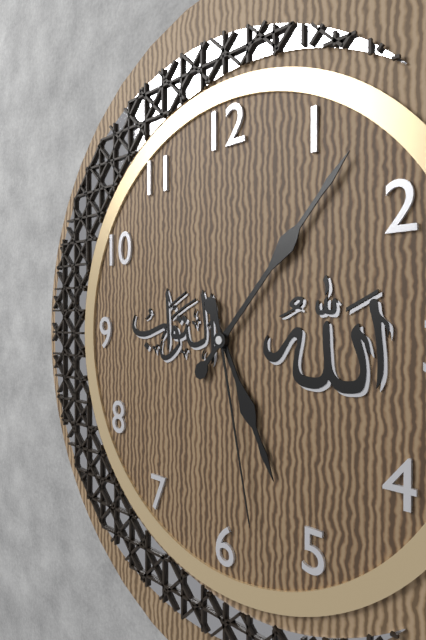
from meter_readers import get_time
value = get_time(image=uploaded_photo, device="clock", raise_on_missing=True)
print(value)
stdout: 5:07:28
